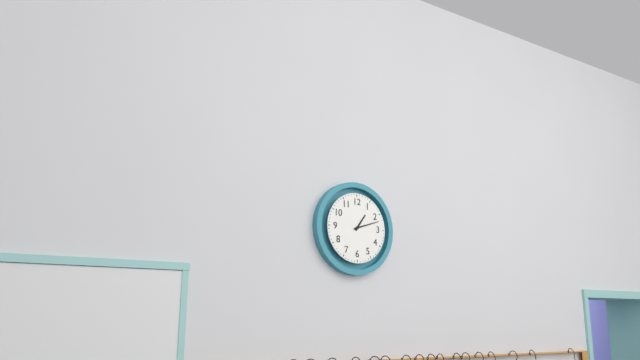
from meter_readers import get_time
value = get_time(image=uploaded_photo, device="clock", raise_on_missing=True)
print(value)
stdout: 1:12
